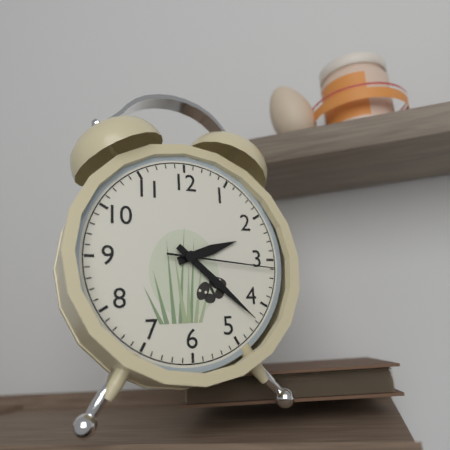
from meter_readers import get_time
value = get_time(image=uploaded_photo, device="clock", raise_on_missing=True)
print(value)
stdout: 2:22:16
